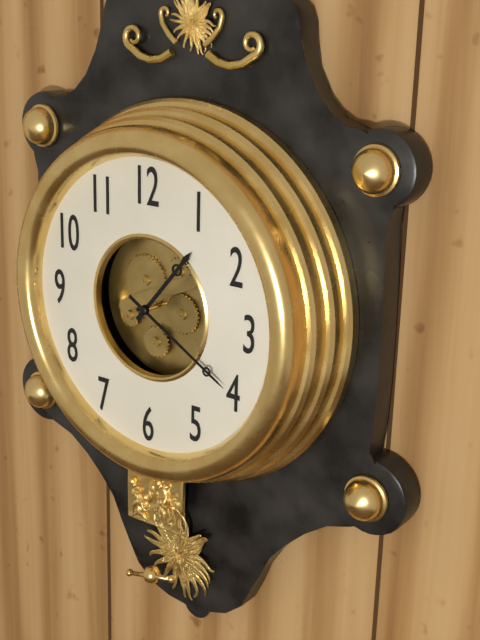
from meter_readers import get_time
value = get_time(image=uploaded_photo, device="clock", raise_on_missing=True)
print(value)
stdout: 1:20
